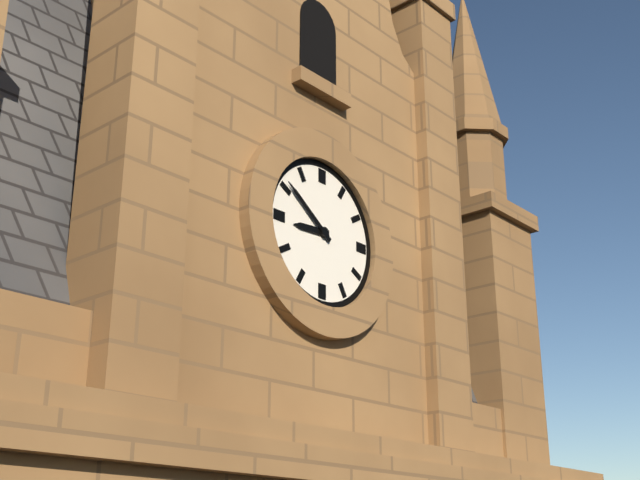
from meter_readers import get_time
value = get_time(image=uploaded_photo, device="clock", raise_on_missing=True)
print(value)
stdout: 8:51
